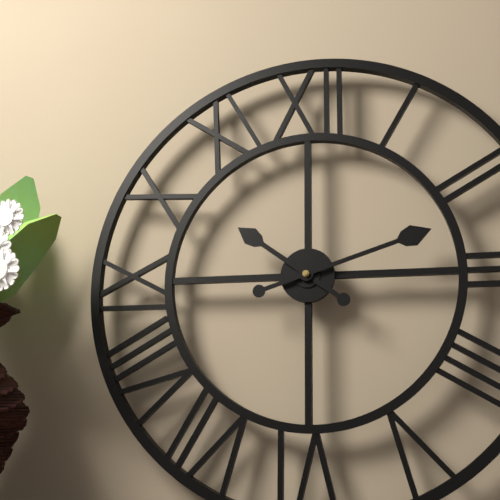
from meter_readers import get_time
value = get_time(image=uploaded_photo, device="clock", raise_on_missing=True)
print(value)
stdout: 10:12
